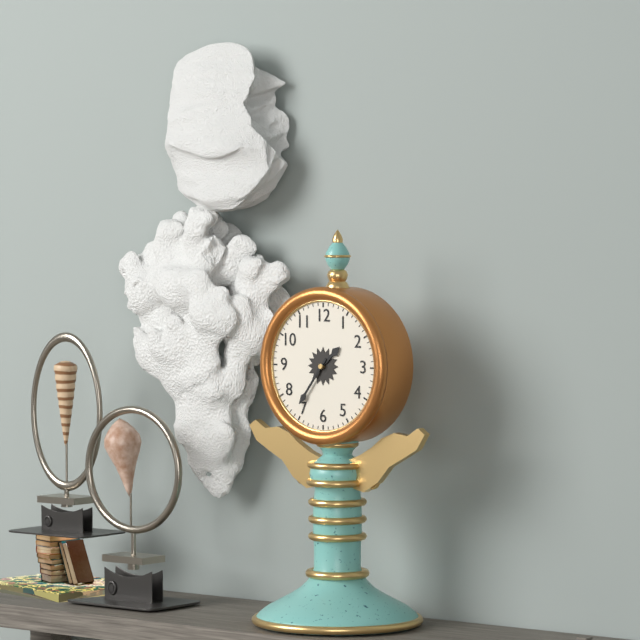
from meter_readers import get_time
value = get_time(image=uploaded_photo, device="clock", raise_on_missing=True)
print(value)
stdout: 1:36
